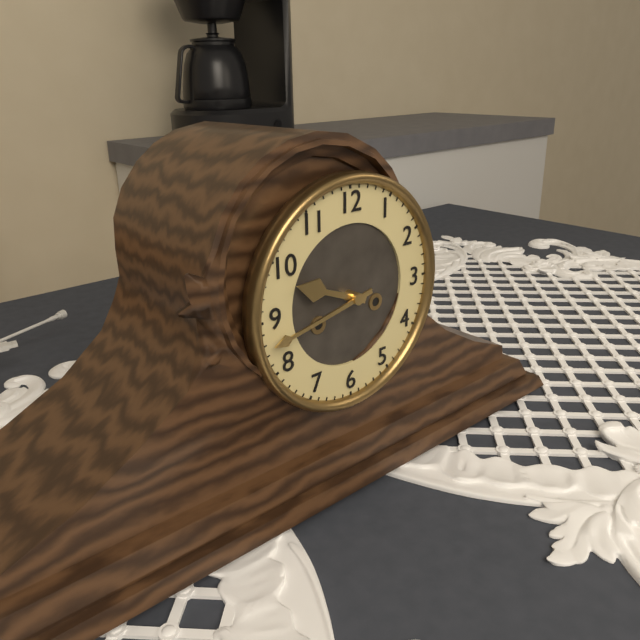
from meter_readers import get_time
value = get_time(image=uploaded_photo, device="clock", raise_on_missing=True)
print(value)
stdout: 9:43
